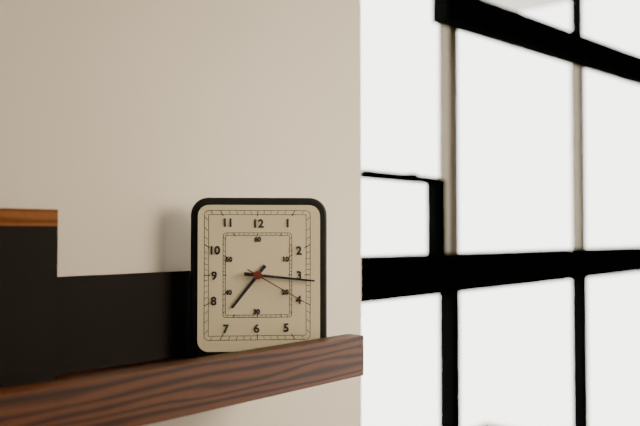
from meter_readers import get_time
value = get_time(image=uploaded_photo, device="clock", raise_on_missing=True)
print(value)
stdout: 7:16:20
